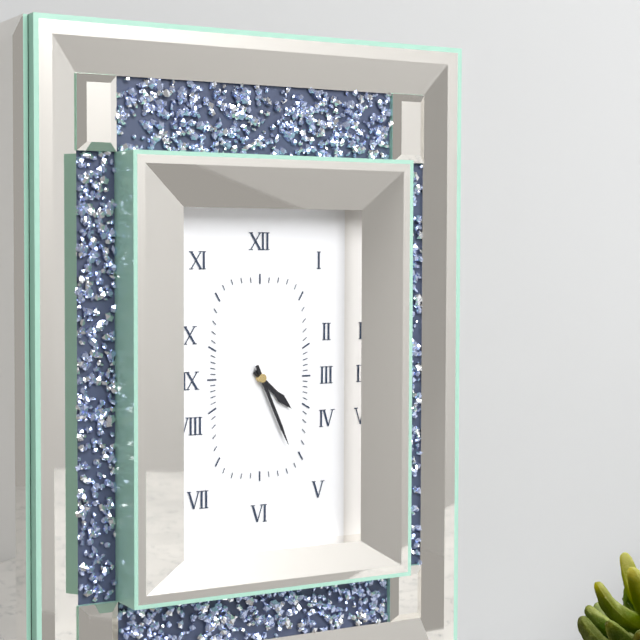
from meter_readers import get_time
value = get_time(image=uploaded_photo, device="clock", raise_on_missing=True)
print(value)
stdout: 4:26
